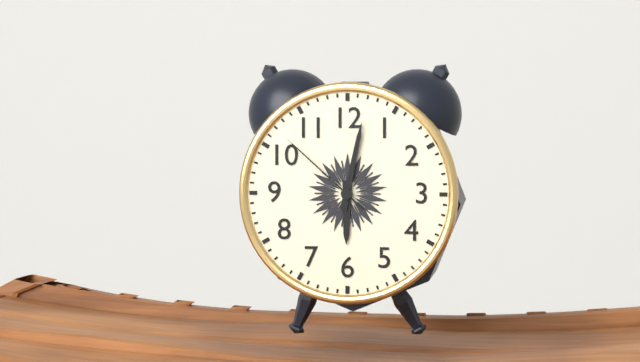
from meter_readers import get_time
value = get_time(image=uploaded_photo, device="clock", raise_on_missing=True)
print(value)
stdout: 6:02:52
